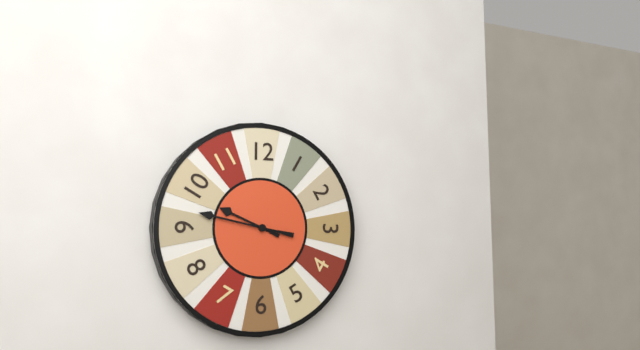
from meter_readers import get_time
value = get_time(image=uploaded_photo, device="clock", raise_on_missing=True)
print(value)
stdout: 9:47
